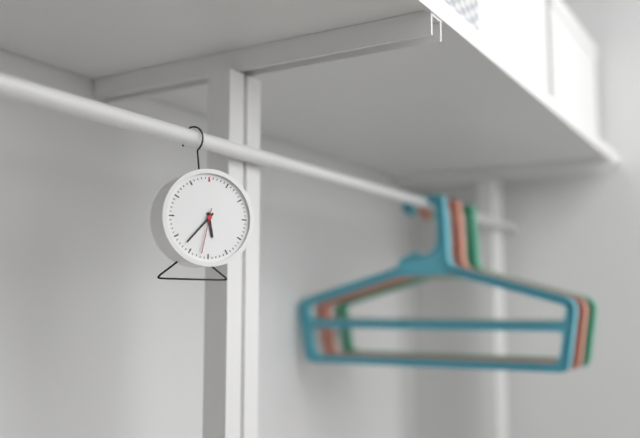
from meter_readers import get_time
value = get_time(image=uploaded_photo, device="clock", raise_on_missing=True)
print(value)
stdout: 5:37
